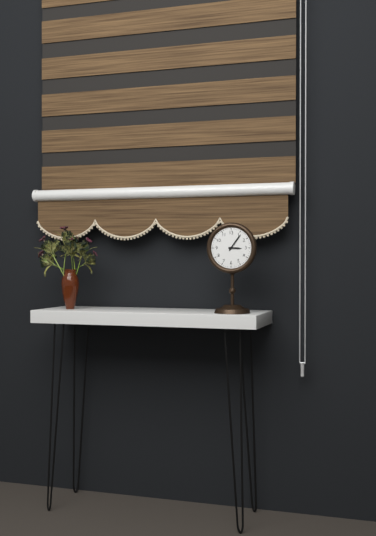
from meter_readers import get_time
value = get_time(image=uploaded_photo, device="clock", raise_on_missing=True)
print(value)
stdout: 3:06
